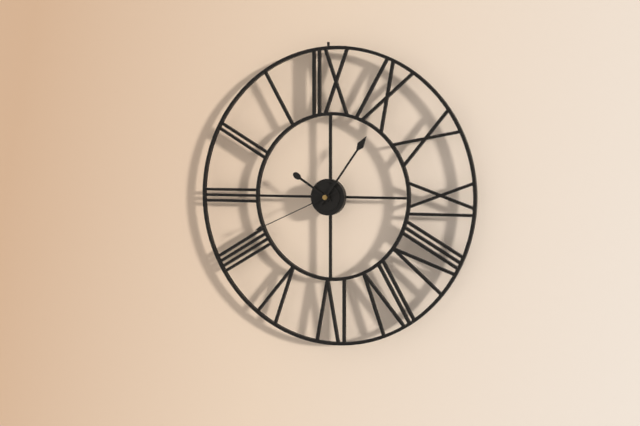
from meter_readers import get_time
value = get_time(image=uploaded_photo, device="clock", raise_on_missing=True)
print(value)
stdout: 10:06:41
